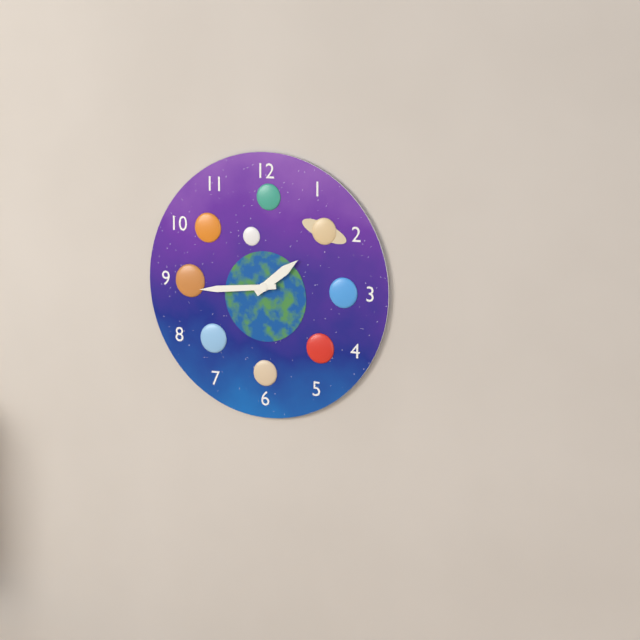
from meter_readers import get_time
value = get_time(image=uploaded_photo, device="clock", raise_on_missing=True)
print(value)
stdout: 1:44
